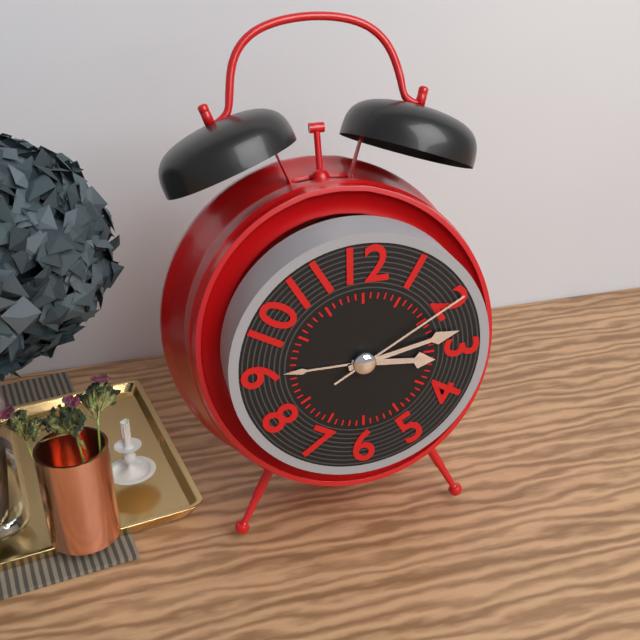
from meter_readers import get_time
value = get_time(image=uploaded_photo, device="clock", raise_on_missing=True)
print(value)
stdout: 3:13:10
